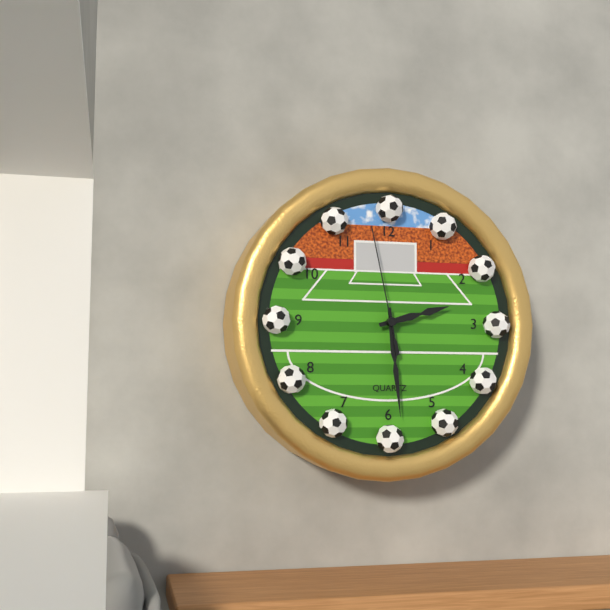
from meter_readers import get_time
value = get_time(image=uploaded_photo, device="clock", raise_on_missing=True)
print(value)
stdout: 2:29:58
